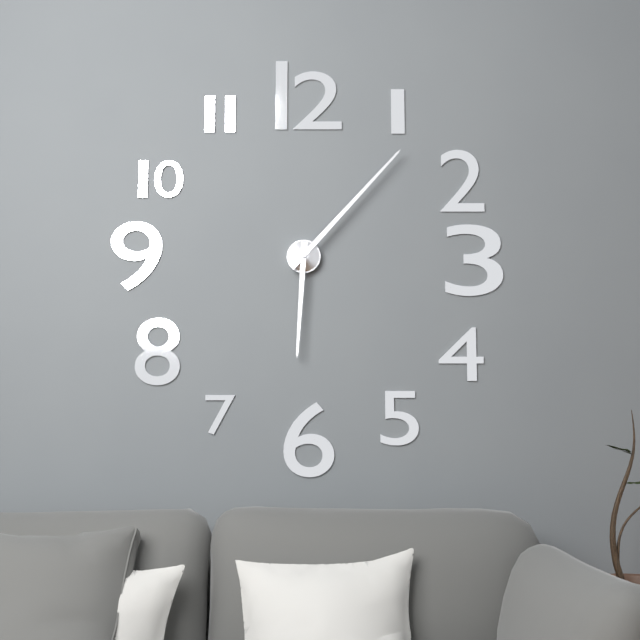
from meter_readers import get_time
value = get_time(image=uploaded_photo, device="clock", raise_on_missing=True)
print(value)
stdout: 6:07
